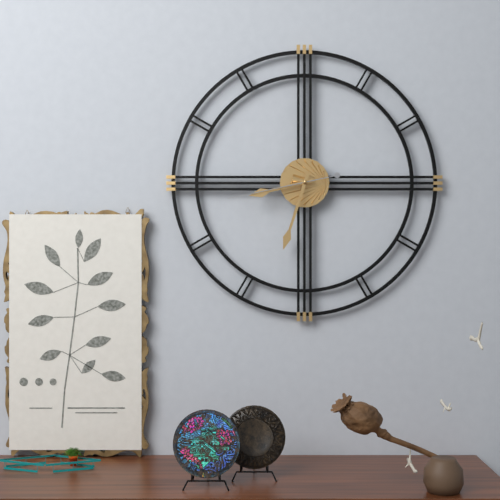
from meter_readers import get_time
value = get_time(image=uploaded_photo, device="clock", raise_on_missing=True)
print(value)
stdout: 8:33:43
